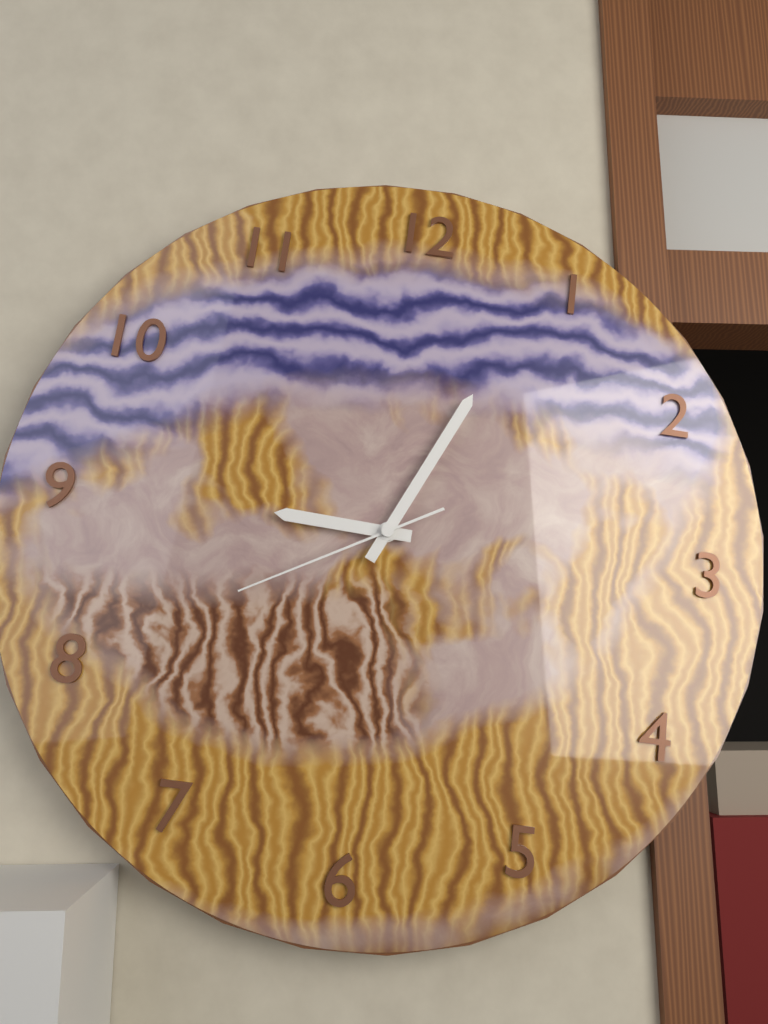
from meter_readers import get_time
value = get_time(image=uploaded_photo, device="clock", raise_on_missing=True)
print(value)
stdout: 9:04:40
